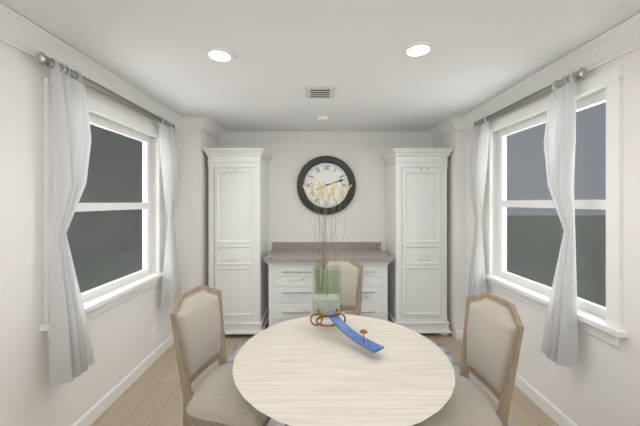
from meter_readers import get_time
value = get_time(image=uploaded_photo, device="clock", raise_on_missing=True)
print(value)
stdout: 8:12
